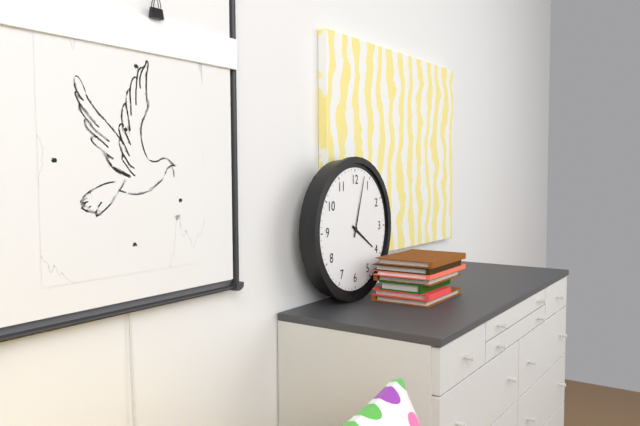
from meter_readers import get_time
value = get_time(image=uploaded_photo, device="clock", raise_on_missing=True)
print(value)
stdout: 4:03
